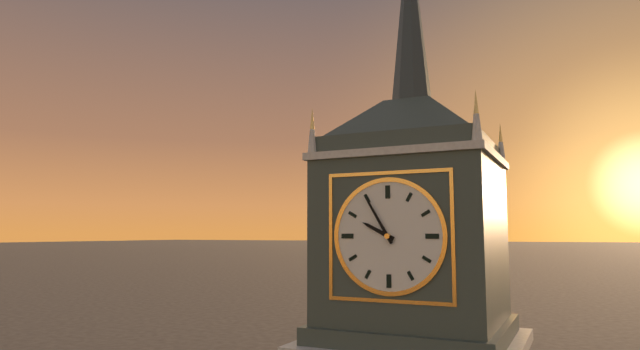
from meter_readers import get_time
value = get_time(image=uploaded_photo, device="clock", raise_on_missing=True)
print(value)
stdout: 9:55
